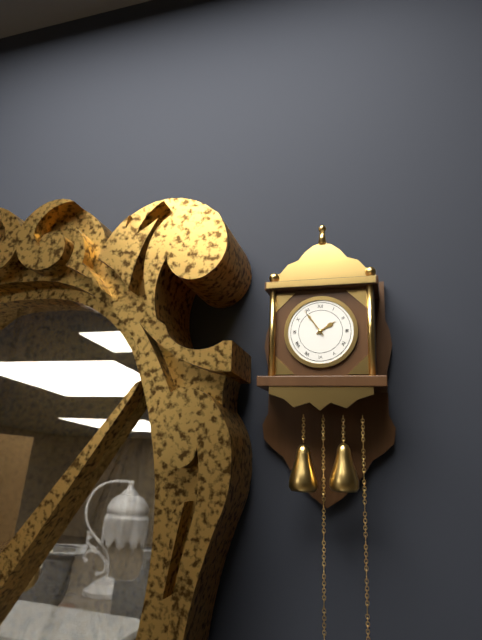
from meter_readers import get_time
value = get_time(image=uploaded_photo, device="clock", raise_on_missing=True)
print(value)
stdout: 1:54
